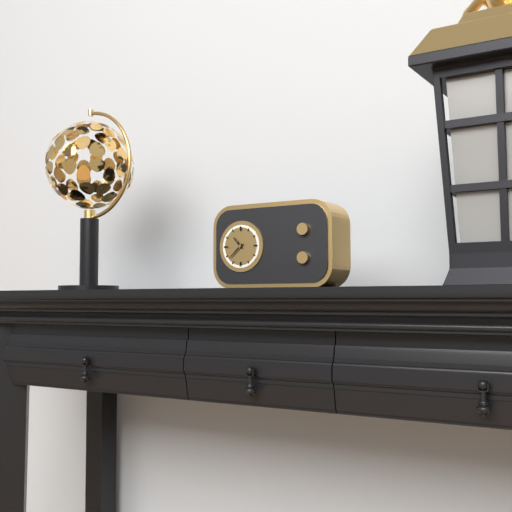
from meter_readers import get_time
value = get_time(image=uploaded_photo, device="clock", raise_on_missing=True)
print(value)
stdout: 10:38
